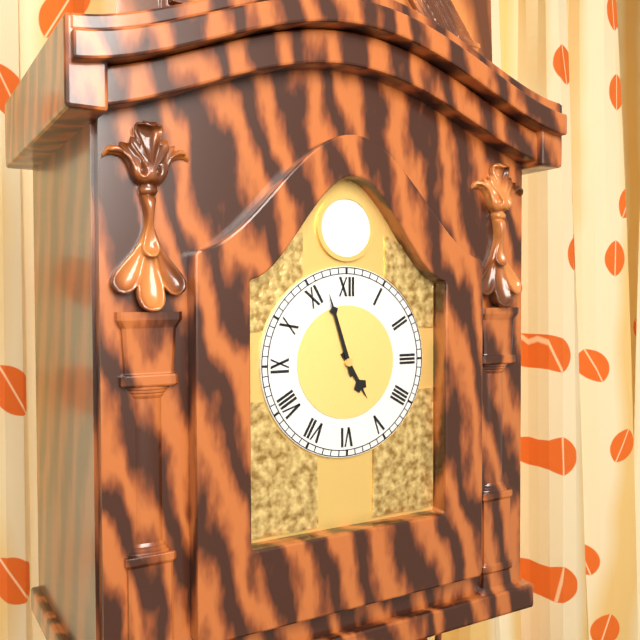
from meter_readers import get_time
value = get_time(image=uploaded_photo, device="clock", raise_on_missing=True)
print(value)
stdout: 4:57
